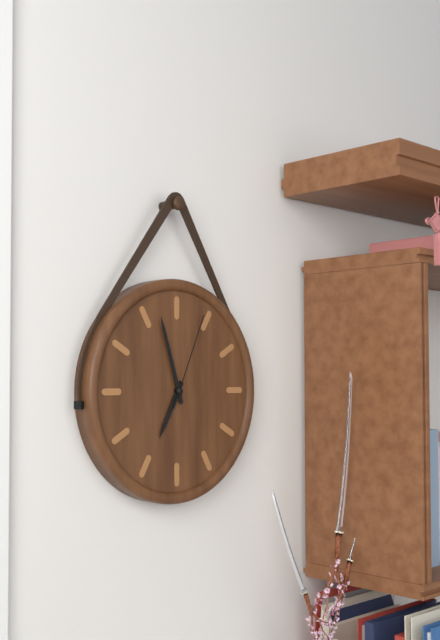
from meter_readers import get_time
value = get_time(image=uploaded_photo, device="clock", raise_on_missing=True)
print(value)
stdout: 6:57:04
